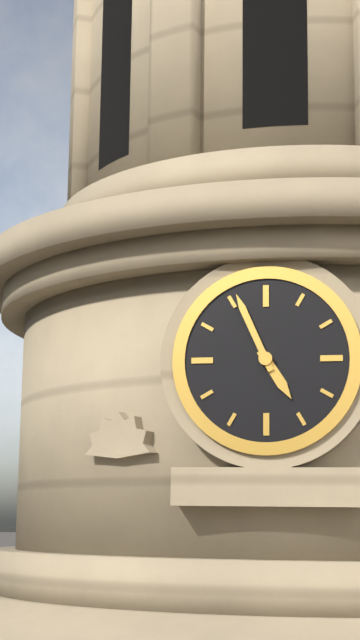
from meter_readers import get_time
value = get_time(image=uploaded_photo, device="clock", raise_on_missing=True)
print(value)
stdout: 4:56
